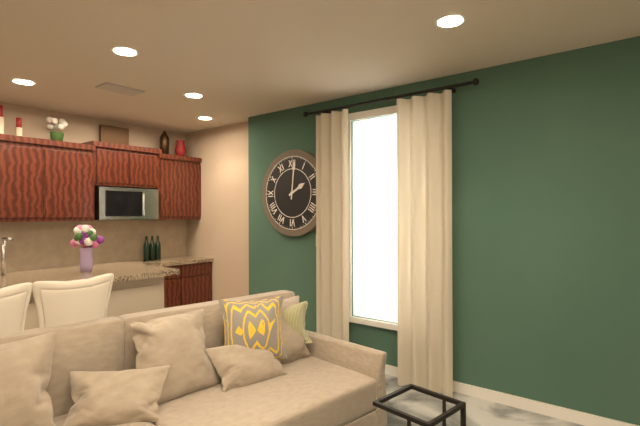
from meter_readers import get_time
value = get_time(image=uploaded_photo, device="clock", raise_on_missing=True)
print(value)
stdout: 2:01
